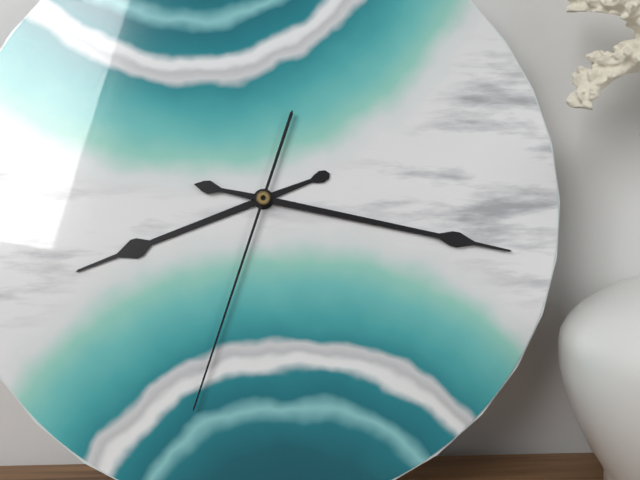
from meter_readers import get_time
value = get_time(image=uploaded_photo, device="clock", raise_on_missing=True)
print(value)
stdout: 8:17:33
